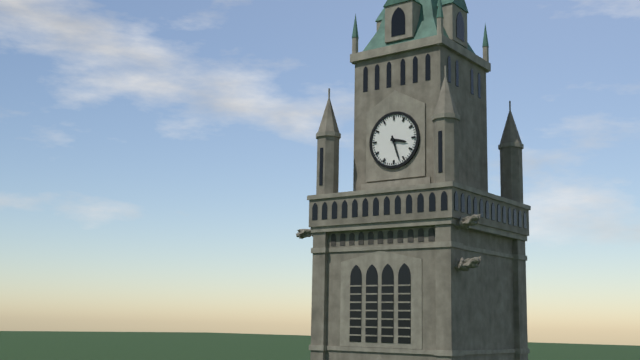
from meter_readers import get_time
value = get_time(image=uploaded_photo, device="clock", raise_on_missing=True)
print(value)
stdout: 3:27
